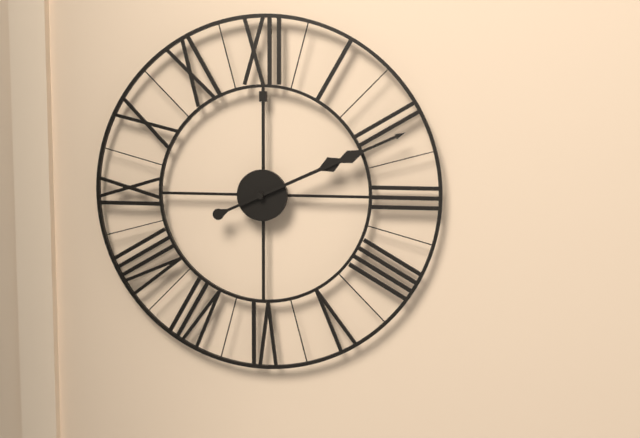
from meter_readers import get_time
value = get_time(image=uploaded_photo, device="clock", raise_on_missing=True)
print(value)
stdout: 2:11
